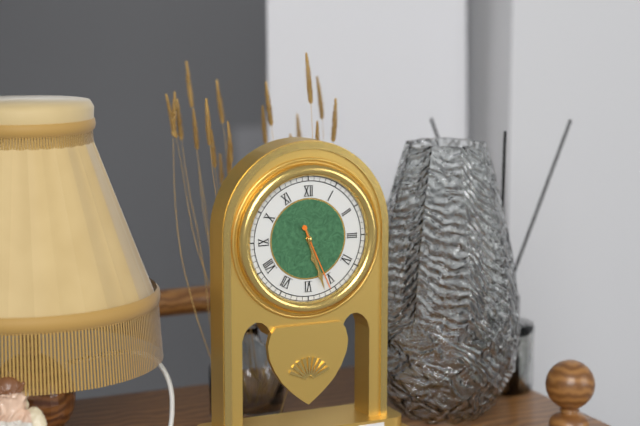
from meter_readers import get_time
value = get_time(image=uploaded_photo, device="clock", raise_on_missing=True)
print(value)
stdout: 5:27:26
